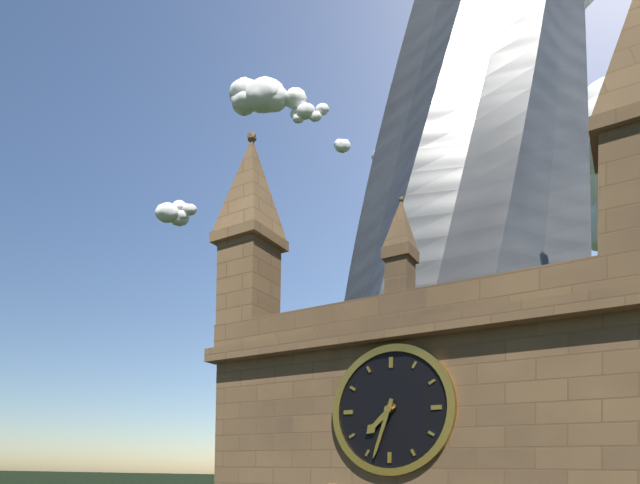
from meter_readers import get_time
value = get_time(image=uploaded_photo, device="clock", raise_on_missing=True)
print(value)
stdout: 7:33
